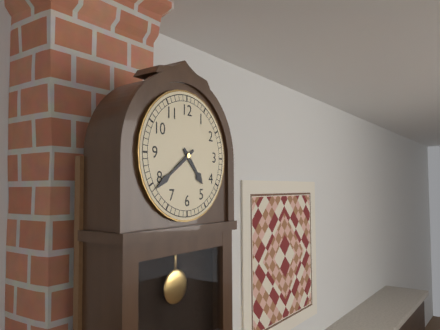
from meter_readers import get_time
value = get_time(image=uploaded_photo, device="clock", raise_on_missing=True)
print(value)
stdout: 4:39
